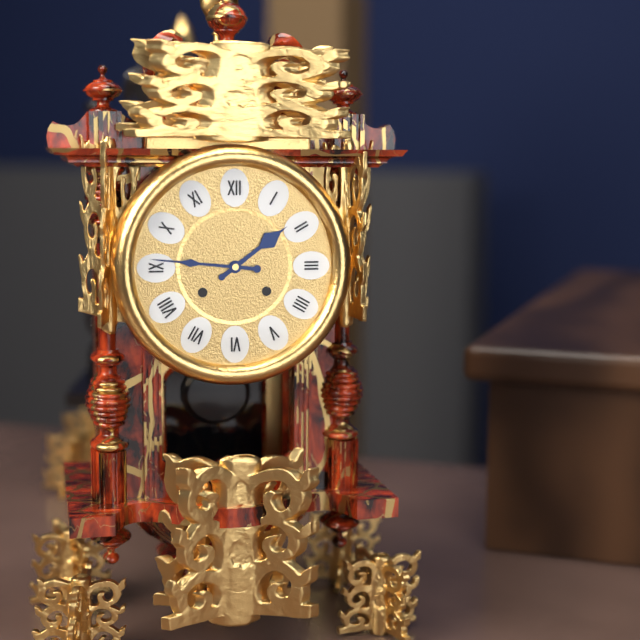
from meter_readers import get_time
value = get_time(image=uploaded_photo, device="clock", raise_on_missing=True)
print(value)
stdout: 1:46
